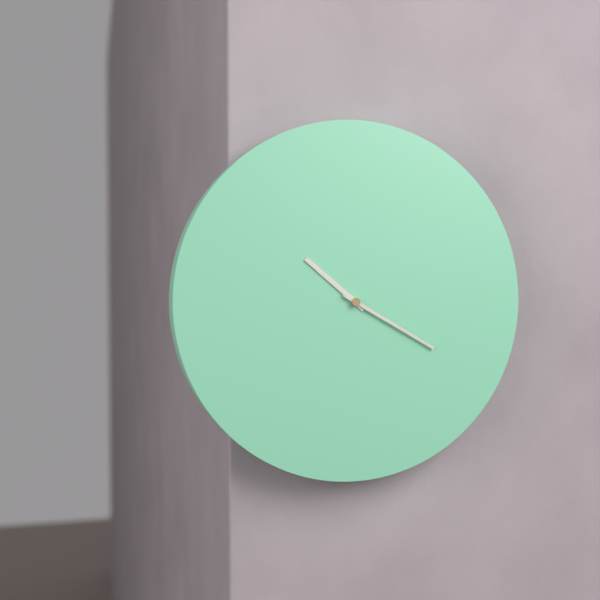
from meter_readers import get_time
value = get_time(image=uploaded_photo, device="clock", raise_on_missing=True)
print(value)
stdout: 10:20
